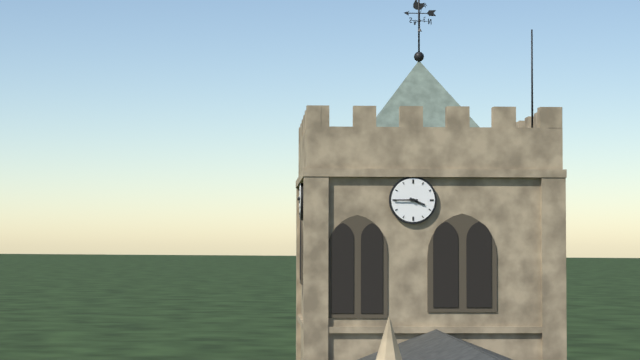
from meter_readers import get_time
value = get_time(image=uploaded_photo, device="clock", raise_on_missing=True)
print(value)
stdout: 3:45
